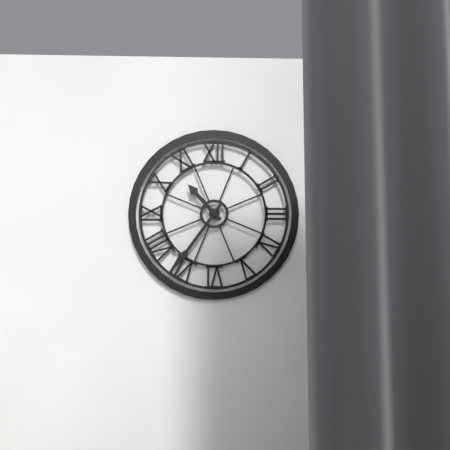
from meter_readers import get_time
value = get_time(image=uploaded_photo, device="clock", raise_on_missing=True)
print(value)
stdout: 10:36
